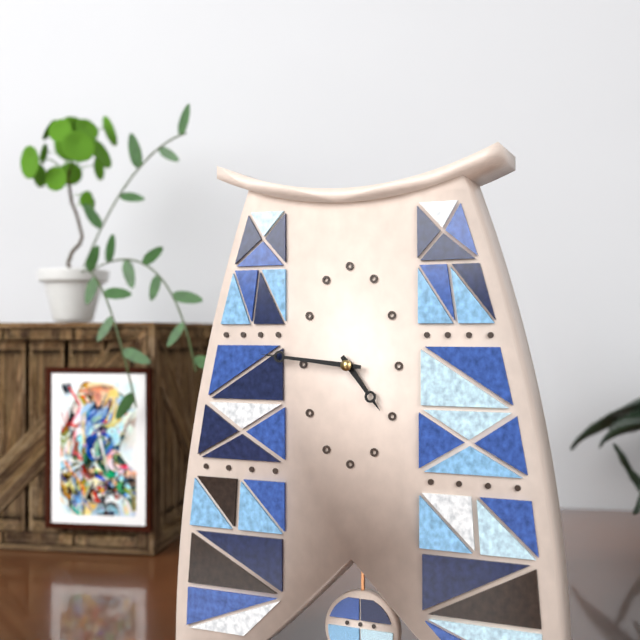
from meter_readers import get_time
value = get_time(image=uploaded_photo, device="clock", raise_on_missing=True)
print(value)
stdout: 4:46
